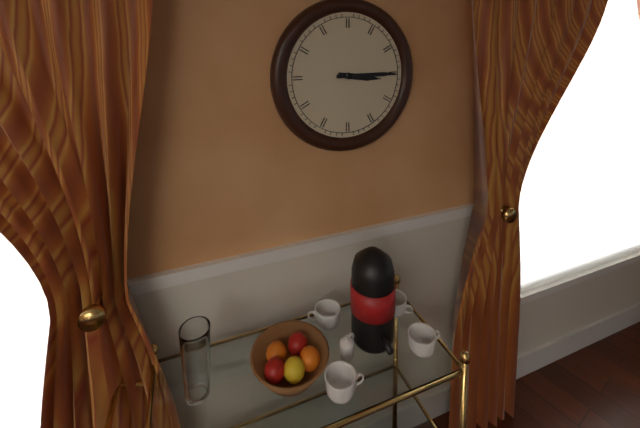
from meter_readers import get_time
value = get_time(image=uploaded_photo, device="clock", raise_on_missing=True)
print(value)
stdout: 3:15
